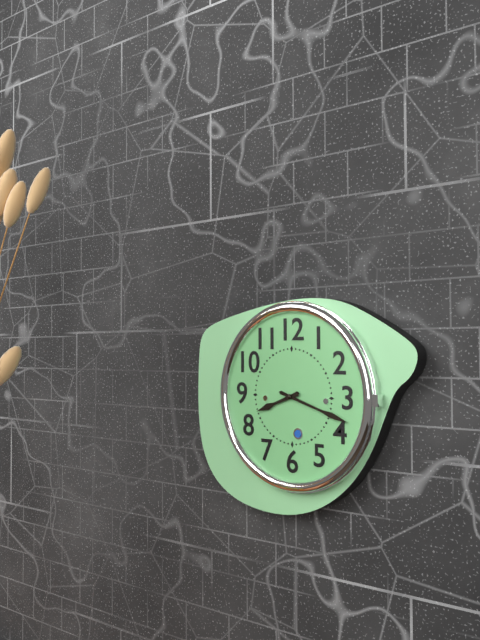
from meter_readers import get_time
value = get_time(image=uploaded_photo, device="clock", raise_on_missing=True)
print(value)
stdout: 8:18
